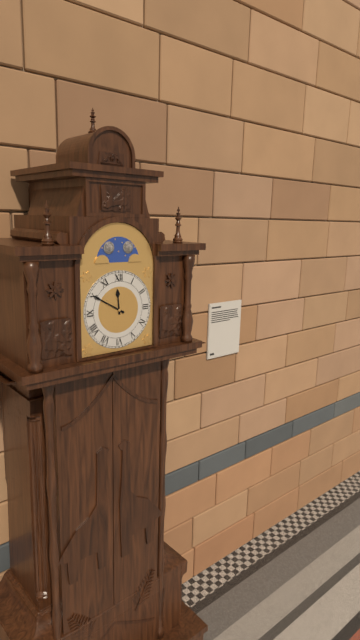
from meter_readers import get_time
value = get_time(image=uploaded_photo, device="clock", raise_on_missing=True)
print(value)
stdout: 11:50
